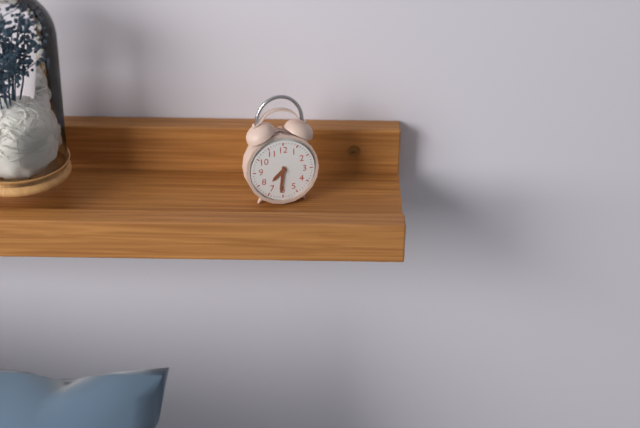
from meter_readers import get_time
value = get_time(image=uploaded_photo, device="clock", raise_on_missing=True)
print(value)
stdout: 7:31
